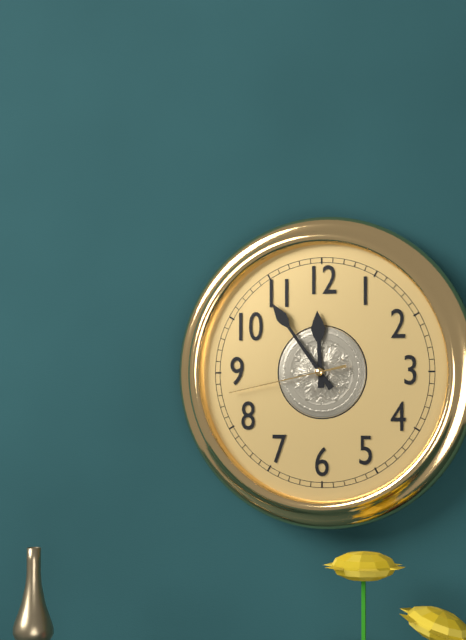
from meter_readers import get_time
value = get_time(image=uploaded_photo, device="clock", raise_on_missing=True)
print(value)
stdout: 11:54:43
